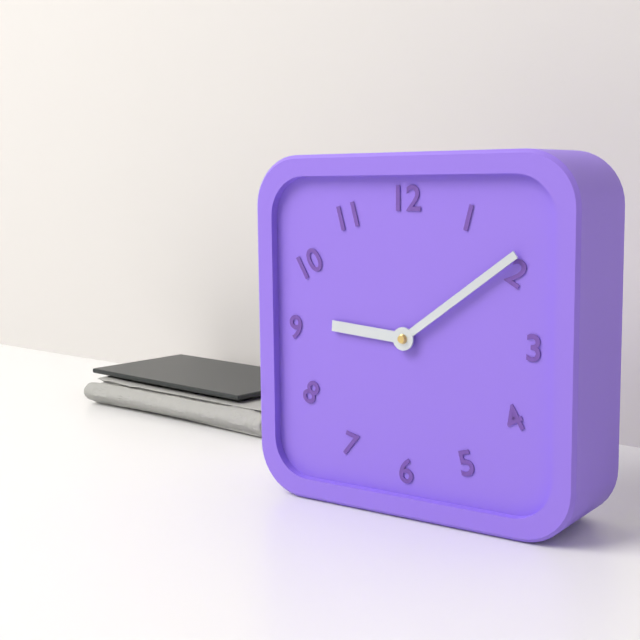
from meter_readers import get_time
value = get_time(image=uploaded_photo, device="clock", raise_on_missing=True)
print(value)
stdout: 9:09
